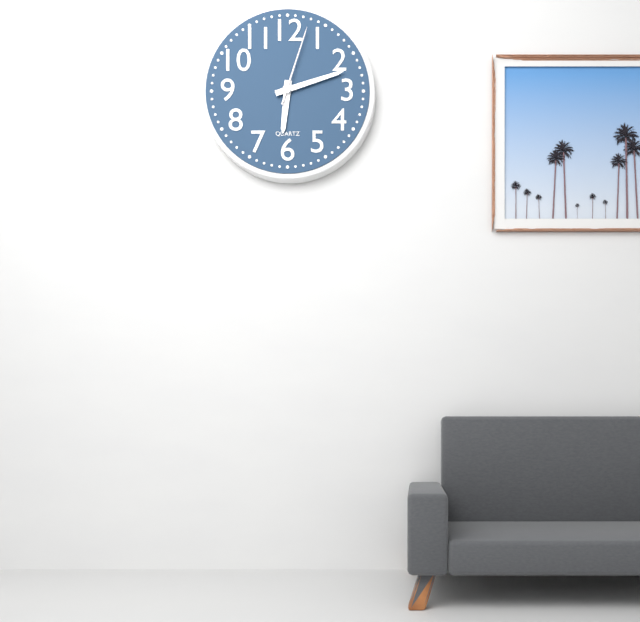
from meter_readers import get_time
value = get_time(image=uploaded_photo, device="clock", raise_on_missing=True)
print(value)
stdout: 6:12:03
